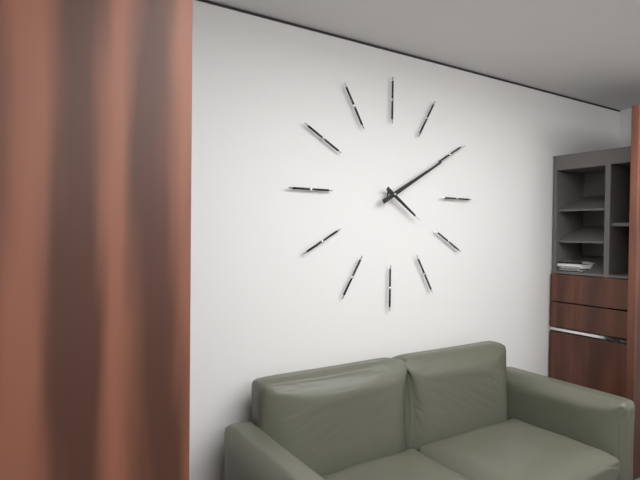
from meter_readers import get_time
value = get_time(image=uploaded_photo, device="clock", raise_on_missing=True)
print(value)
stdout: 4:10
